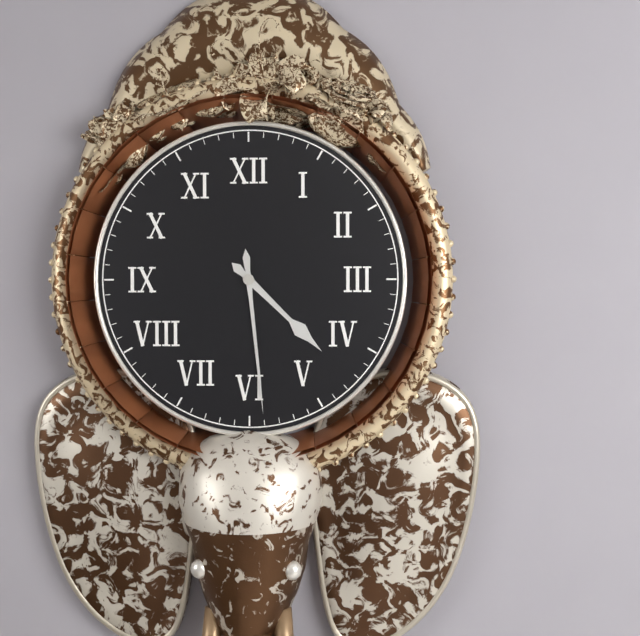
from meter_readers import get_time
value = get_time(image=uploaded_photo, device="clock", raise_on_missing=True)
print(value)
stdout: 4:29
